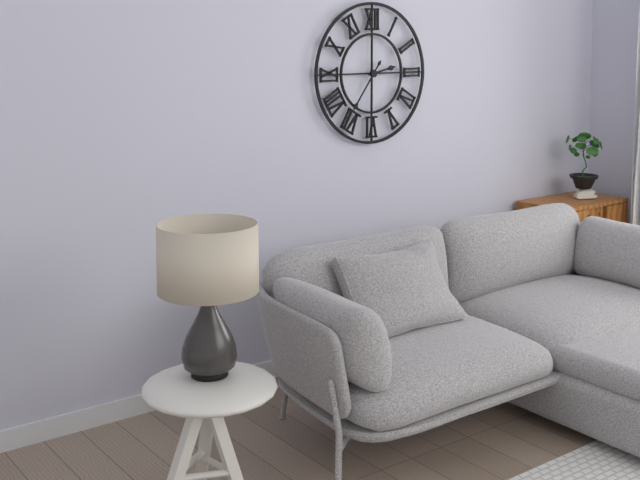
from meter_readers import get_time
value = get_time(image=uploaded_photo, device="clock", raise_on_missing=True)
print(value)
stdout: 2:36
